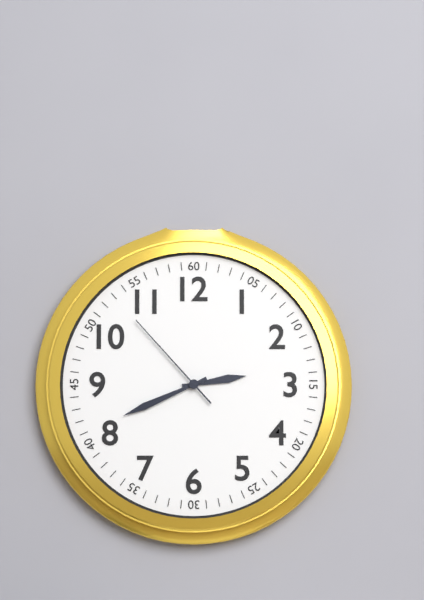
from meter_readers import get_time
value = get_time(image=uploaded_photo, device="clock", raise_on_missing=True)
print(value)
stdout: 2:41:53
